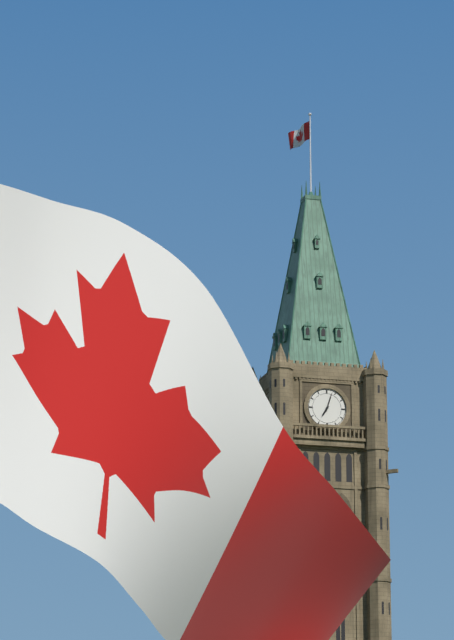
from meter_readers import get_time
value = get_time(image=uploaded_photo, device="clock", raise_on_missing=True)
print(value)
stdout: 7:03
